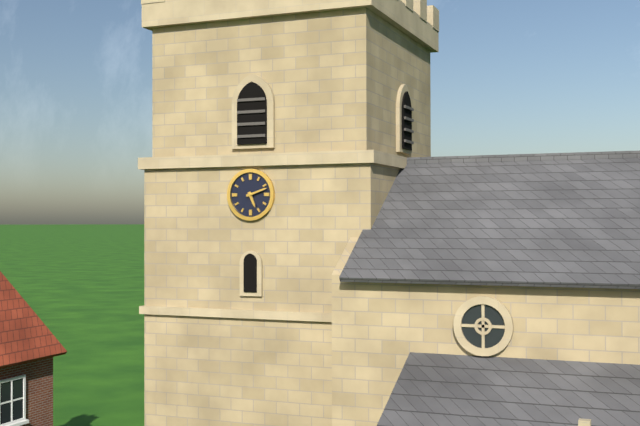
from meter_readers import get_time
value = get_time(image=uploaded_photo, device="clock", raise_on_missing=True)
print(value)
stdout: 5:12
